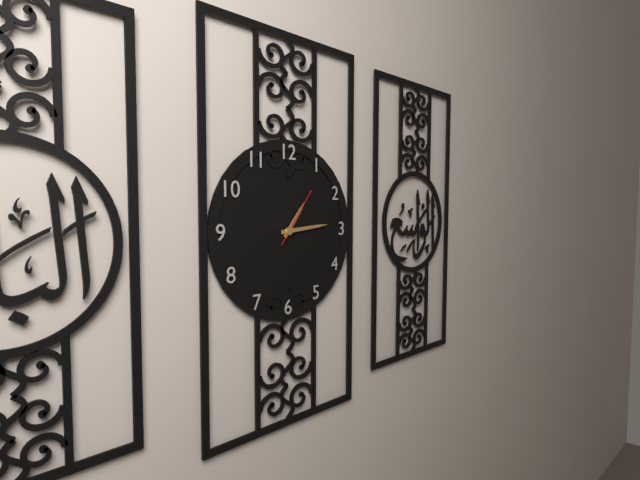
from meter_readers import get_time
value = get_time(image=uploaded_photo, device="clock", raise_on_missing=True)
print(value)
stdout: 1:14:06
